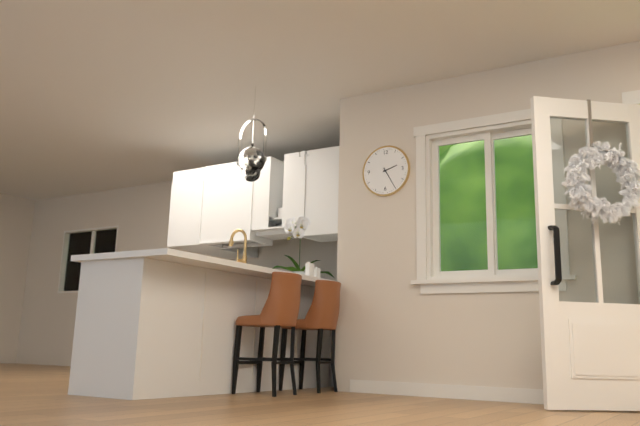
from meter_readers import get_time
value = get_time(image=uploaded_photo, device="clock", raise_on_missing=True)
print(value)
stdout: 2:25
